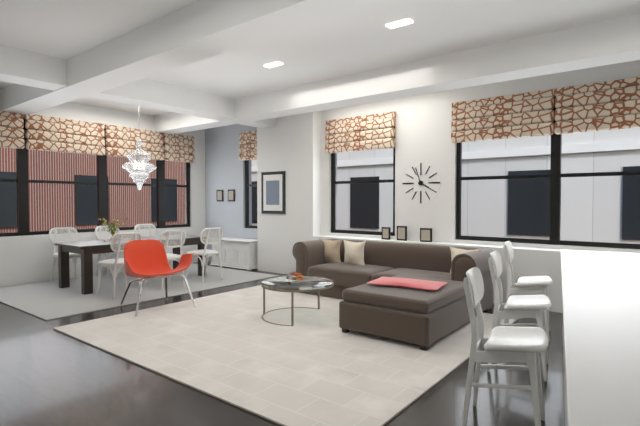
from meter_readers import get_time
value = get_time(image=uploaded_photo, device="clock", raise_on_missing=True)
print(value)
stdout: 3:57
